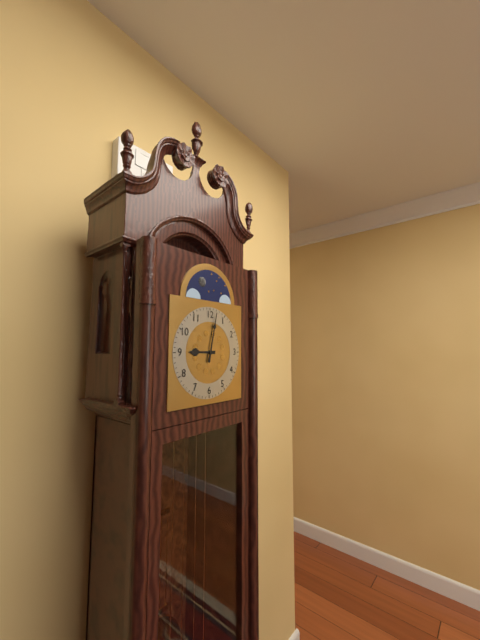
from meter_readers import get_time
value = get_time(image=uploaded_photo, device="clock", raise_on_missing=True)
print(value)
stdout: 9:02
